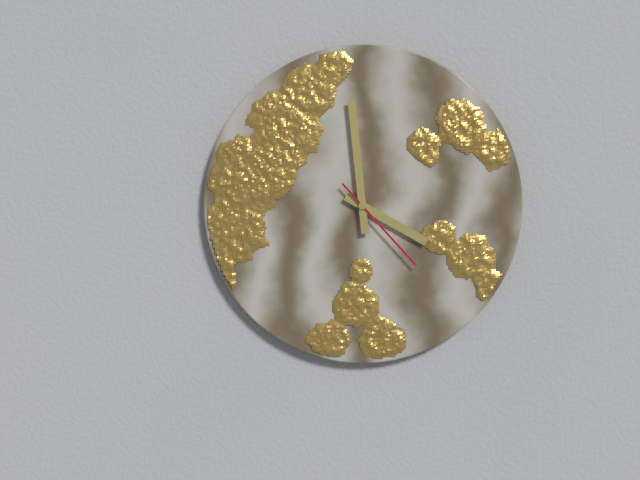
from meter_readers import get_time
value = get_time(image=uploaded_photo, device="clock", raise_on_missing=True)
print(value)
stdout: 3:59:23
